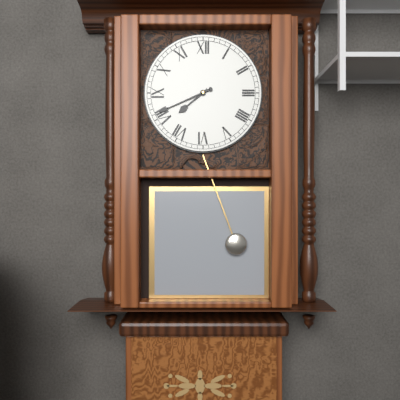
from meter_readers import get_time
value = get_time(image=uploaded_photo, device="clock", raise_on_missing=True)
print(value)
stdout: 7:41
